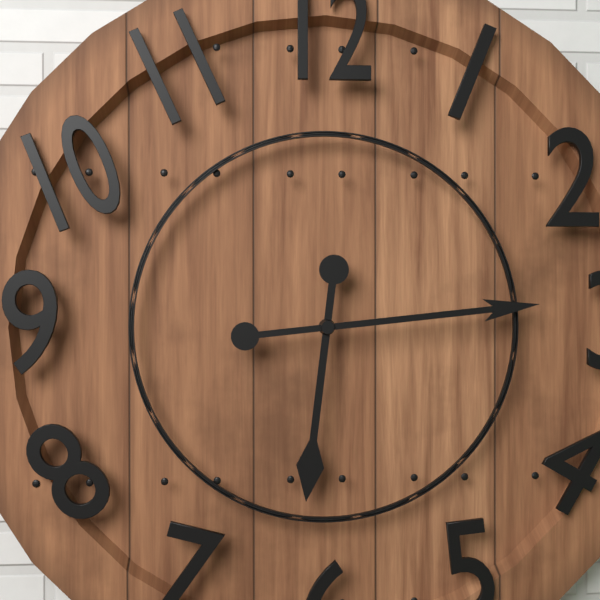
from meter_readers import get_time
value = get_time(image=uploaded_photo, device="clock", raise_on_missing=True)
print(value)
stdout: 6:14
